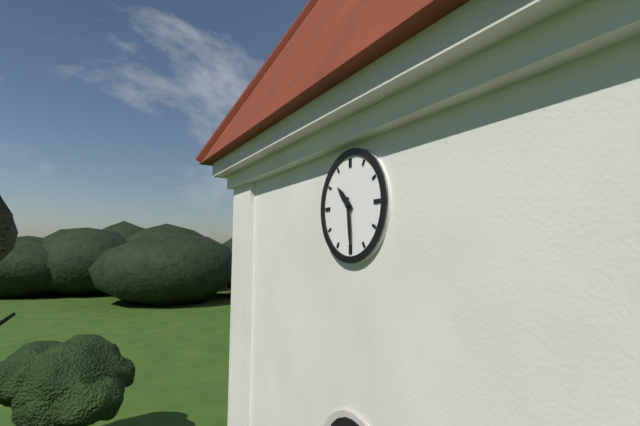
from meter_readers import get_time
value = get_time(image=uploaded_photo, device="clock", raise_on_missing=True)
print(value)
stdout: 10:29
